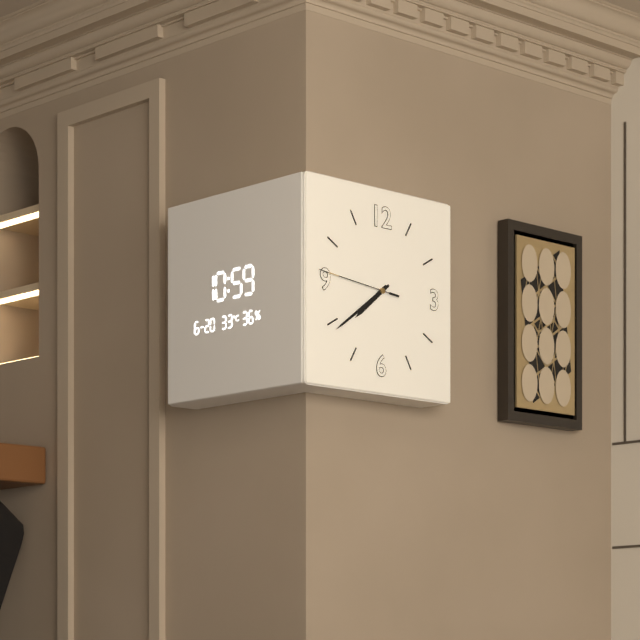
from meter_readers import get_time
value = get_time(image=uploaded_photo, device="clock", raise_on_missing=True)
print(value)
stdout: 7:39:46
